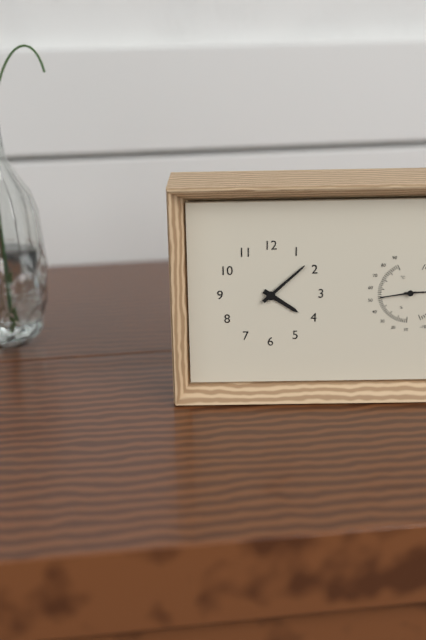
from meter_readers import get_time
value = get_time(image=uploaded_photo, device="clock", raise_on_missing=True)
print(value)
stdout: 4:08
